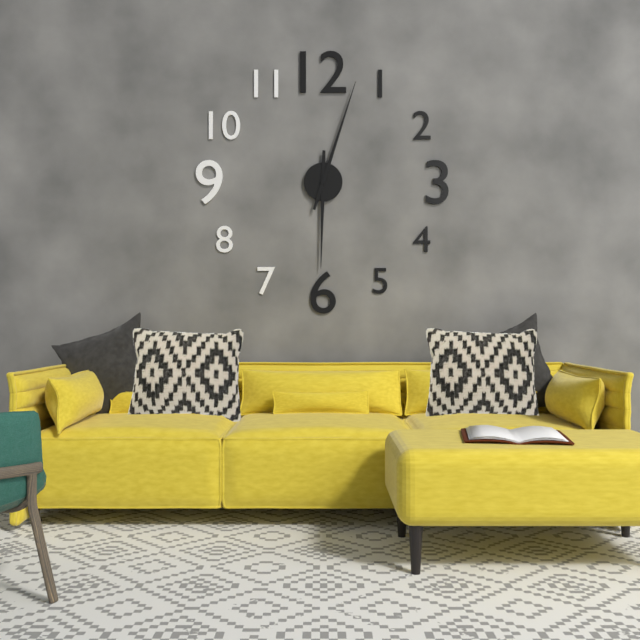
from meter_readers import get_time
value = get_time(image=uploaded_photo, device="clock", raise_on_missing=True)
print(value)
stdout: 6:03
